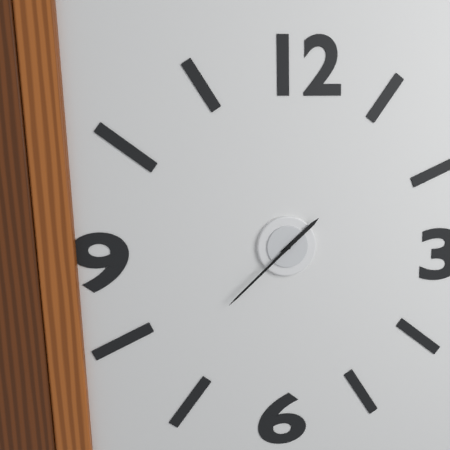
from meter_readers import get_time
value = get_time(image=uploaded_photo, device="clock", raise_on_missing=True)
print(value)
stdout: 1:38
